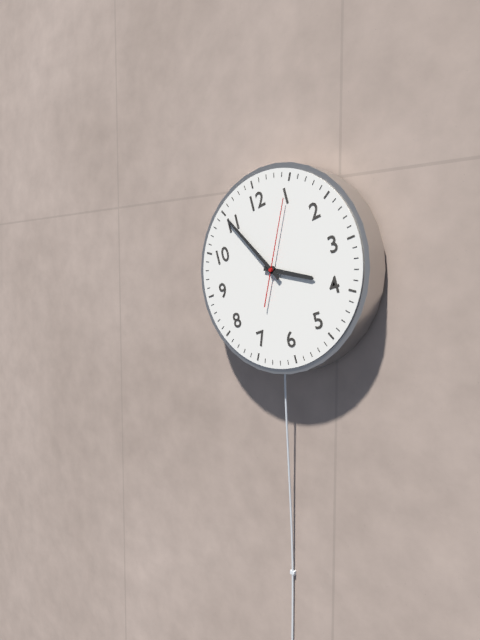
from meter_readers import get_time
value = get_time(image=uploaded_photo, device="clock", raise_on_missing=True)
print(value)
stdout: 3:55:05
